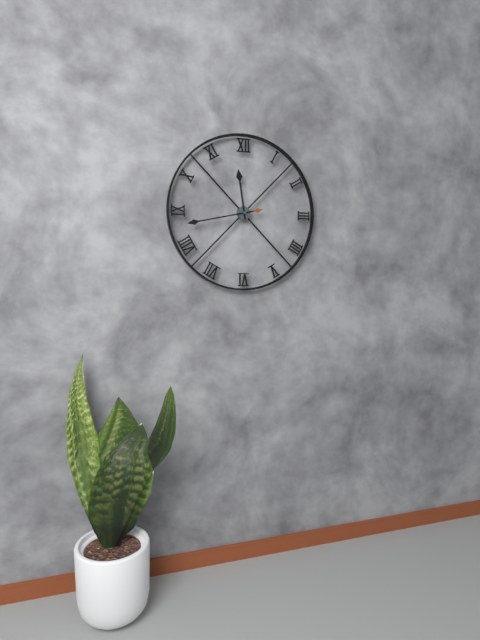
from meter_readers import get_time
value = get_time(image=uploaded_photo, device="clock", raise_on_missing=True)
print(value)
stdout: 11:43
